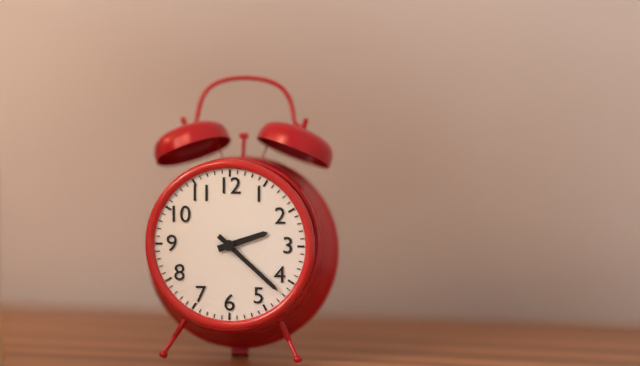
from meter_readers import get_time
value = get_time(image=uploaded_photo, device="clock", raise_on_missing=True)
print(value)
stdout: 2:22
